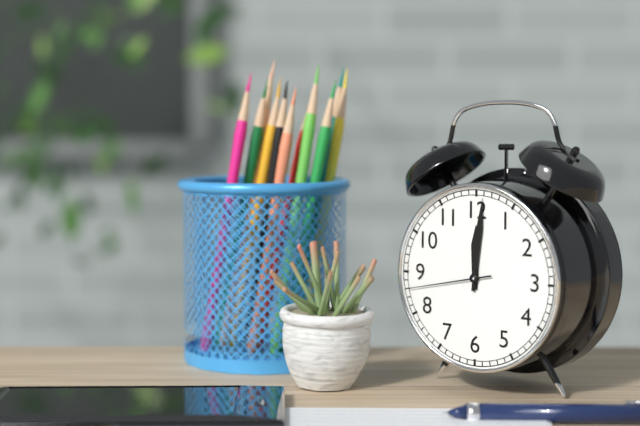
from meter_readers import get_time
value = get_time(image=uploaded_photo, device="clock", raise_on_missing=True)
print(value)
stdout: 12:01:43
